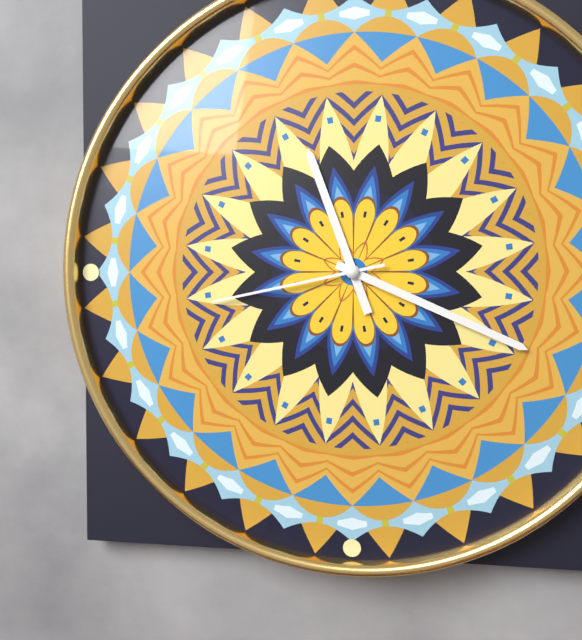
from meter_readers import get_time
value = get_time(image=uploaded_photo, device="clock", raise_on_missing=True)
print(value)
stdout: 11:19:43
